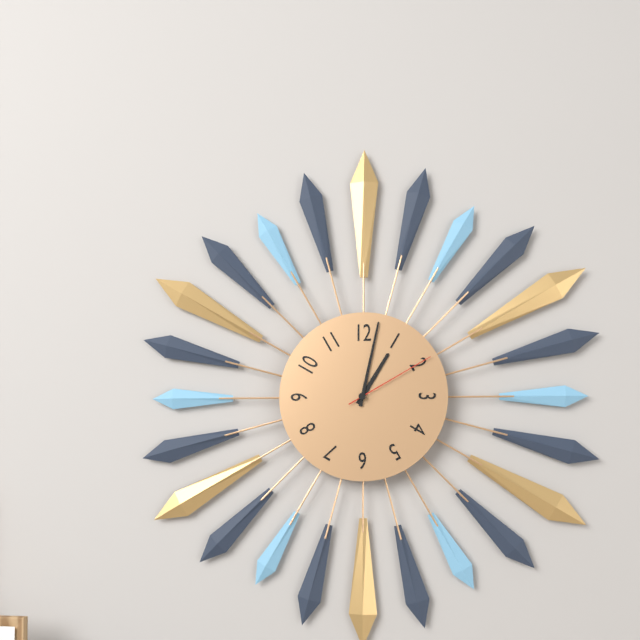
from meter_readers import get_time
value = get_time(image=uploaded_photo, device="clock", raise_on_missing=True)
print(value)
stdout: 1:02:10
